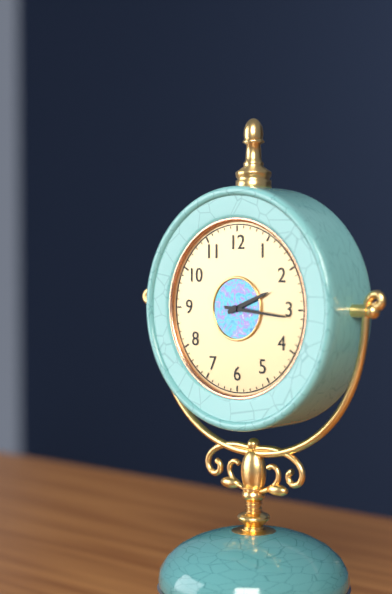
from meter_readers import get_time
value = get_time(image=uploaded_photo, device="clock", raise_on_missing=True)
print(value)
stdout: 2:16
